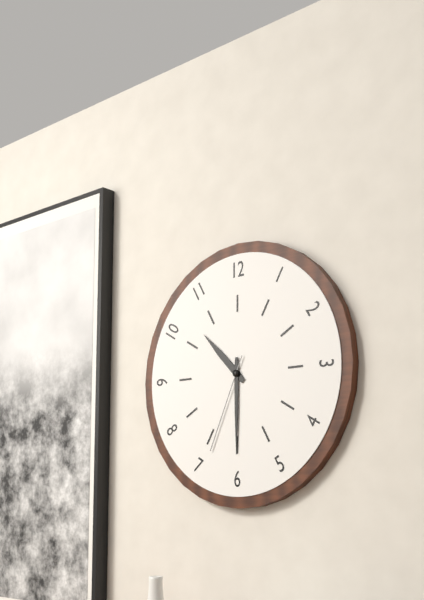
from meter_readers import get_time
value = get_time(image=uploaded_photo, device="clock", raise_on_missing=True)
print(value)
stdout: 10:30:34
